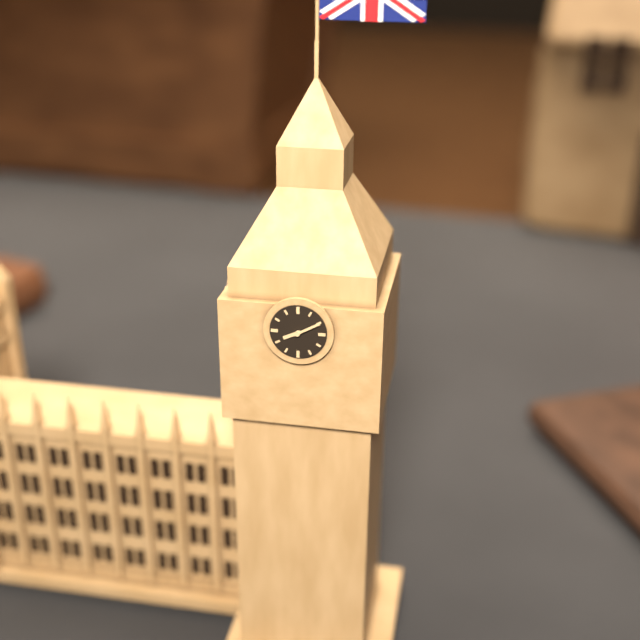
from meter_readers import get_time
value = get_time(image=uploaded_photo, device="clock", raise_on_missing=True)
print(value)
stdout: 8:10
